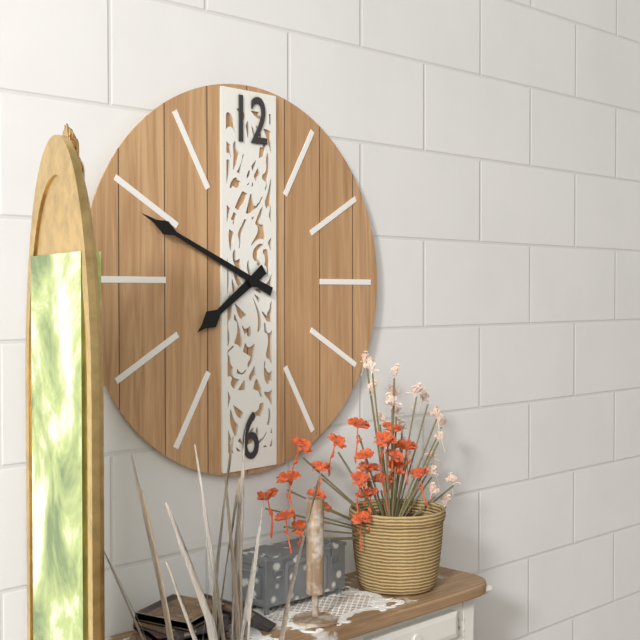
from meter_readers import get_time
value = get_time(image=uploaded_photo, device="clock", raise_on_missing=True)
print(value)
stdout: 7:49
